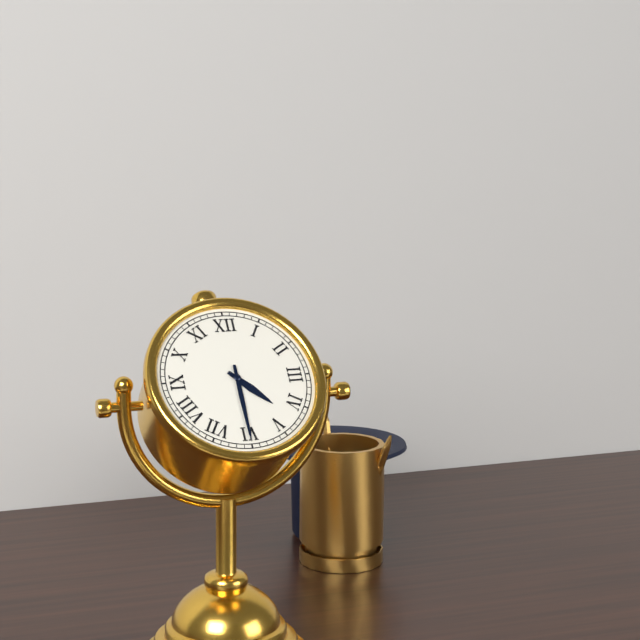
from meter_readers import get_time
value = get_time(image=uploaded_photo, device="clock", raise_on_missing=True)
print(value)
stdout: 4:30
